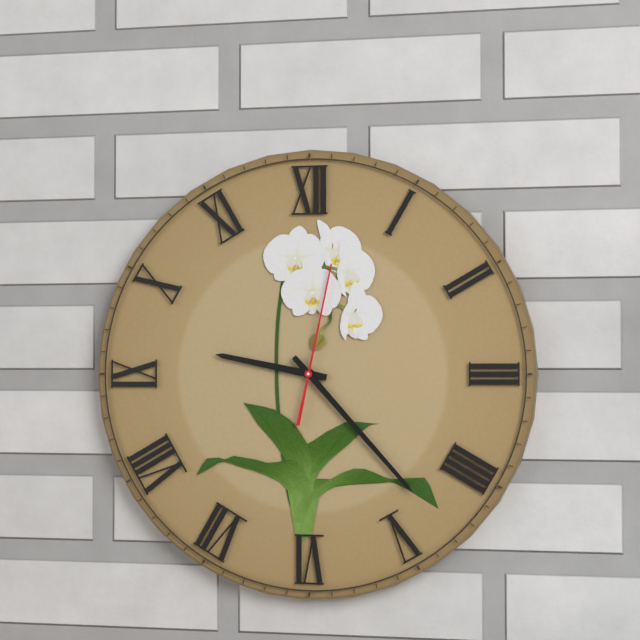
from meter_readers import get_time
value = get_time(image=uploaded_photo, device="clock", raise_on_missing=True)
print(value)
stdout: 9:23:02
